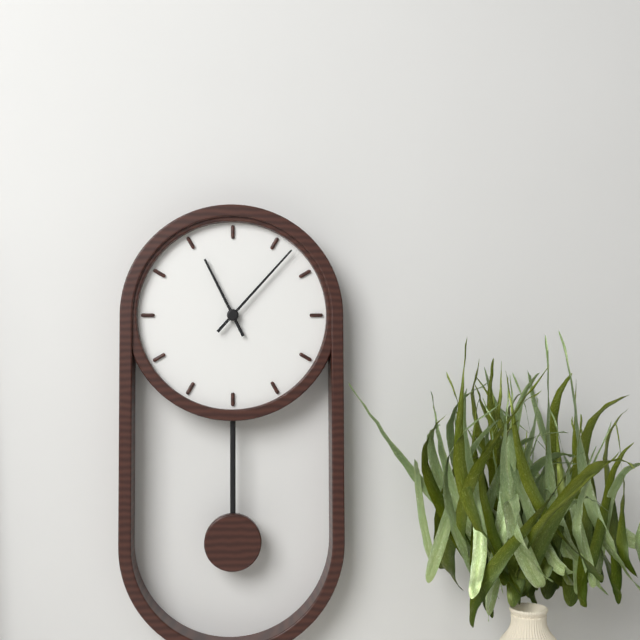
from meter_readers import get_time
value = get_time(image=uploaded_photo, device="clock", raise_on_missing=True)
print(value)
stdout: 11:07
